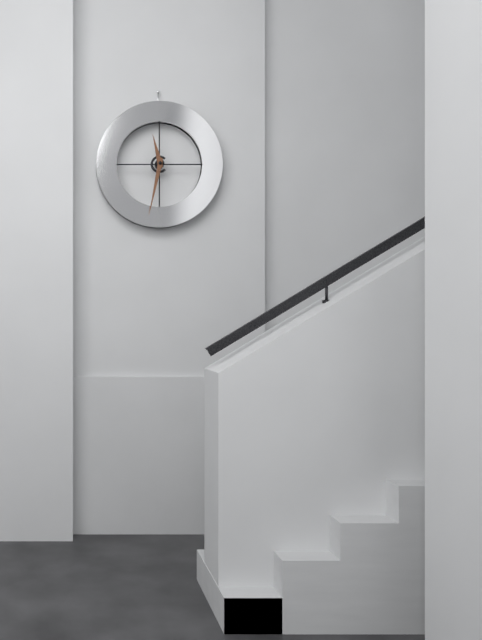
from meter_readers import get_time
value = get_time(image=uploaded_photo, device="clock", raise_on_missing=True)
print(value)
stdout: 11:32
